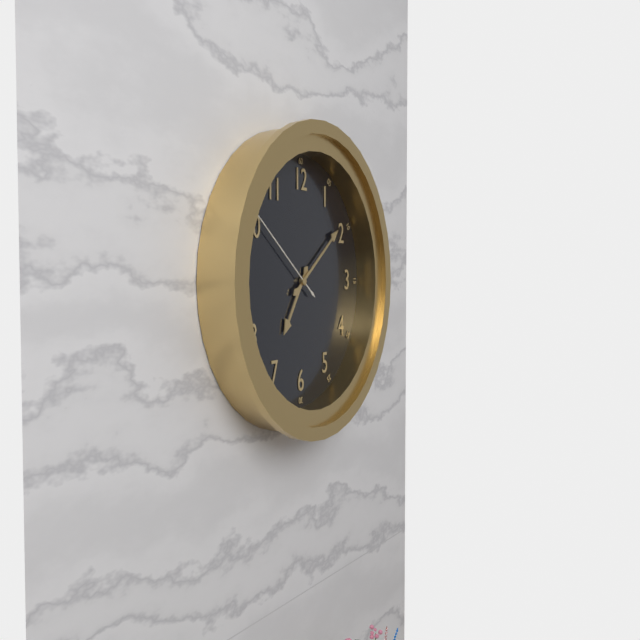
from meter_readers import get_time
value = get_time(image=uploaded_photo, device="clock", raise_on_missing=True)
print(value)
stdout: 7:09:51
